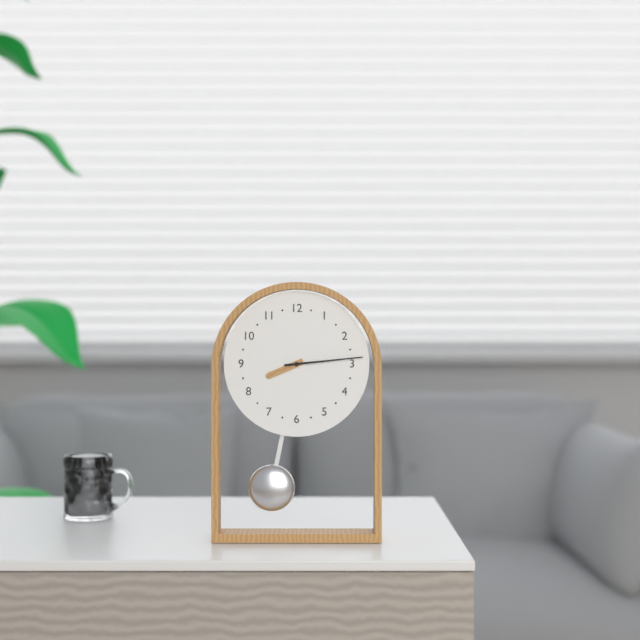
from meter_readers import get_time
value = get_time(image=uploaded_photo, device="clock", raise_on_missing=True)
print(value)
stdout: 8:14
